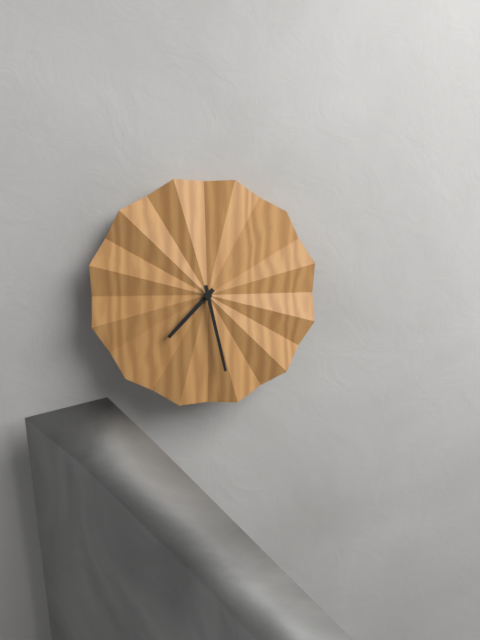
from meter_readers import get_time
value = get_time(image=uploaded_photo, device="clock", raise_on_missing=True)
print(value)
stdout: 7:28
